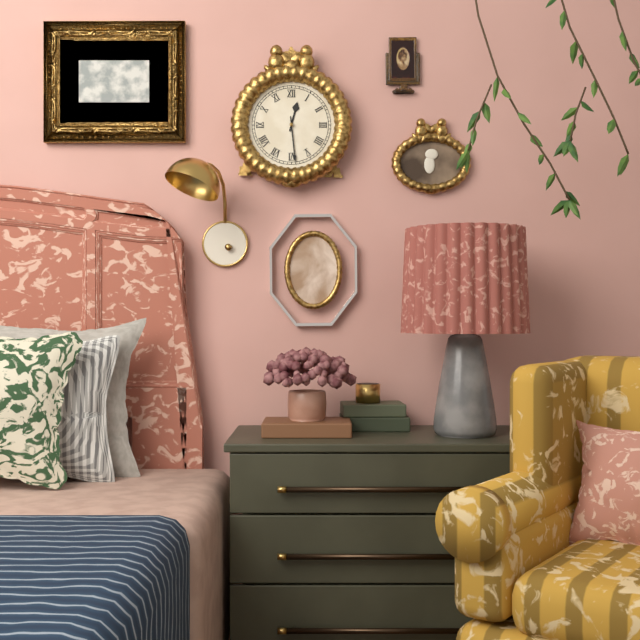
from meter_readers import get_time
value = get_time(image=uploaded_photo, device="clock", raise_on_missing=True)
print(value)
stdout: 12:29
